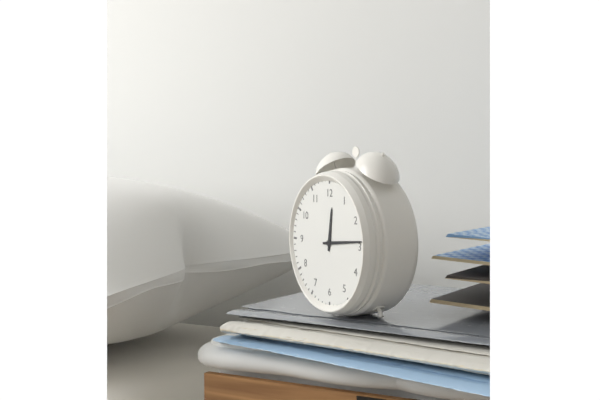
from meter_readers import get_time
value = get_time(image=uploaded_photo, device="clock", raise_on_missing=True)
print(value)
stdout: 12:14
